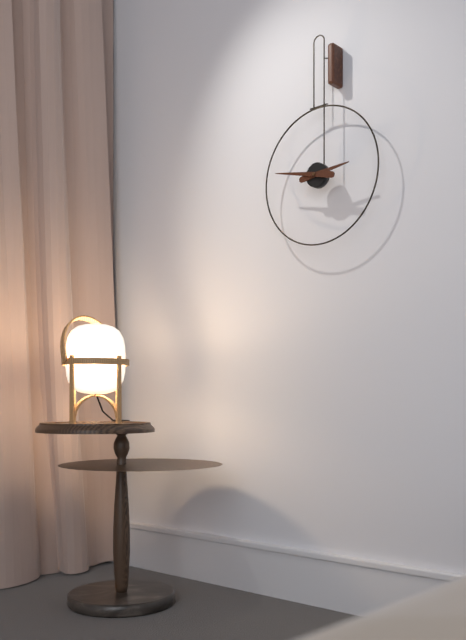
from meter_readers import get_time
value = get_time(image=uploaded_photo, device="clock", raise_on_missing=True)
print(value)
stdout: 2:47
